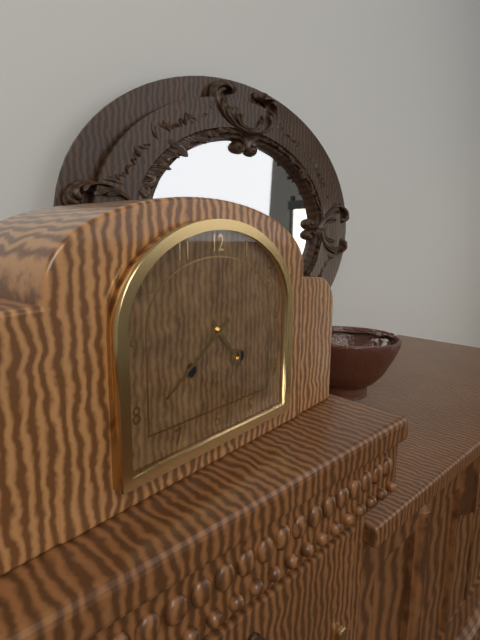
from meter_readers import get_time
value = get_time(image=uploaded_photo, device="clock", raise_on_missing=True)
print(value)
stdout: 4:39
